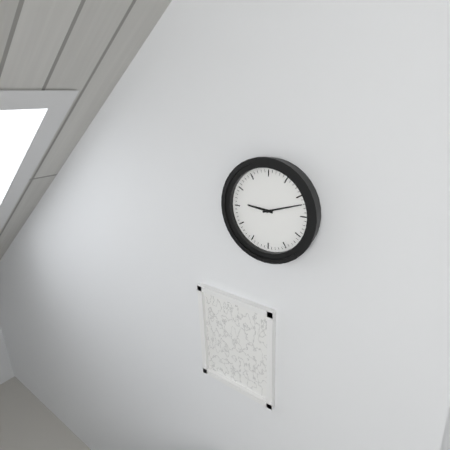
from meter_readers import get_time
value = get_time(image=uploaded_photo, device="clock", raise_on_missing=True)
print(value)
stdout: 9:12
